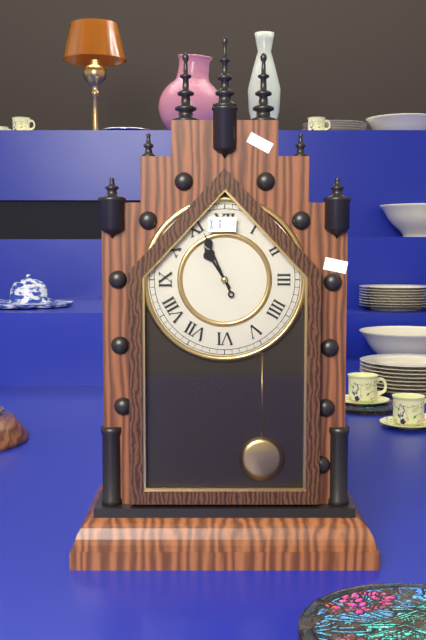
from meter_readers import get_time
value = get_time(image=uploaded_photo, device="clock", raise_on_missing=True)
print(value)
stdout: 10:56
